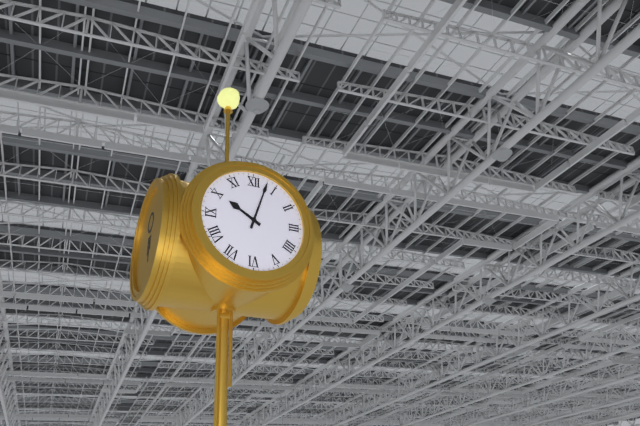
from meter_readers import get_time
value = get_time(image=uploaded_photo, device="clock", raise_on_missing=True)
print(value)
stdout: 10:03
